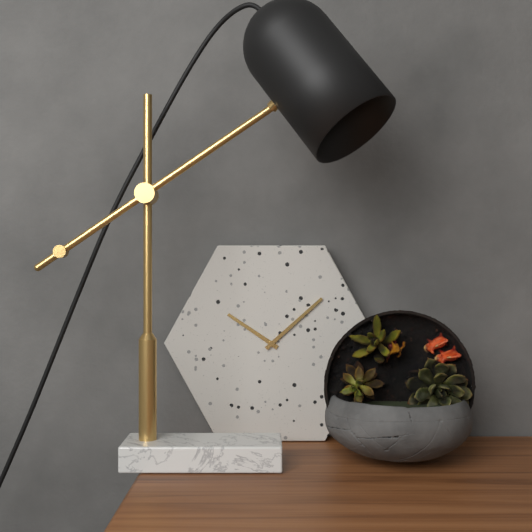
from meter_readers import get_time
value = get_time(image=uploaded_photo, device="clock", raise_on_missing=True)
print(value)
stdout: 10:08
